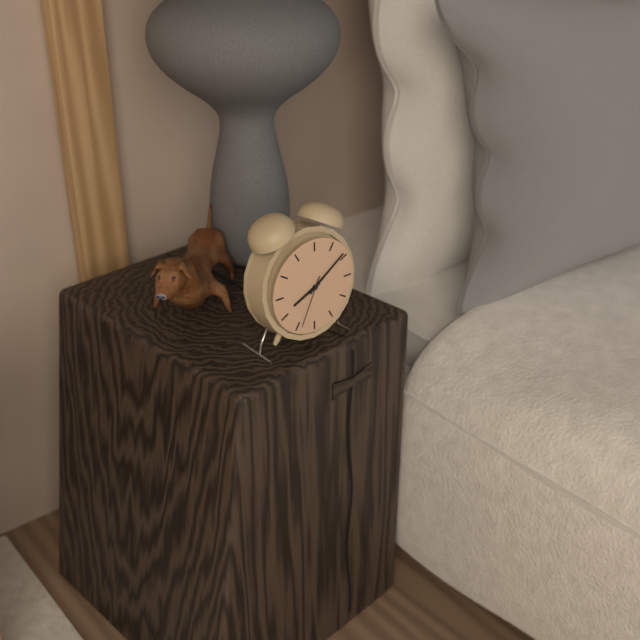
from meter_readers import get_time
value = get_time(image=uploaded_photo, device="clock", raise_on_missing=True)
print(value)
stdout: 8:09:34
